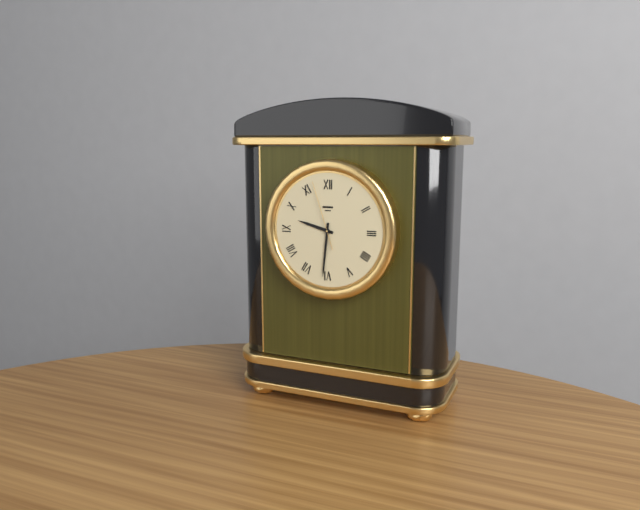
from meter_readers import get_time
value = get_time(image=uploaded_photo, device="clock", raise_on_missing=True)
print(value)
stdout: 9:31:57
